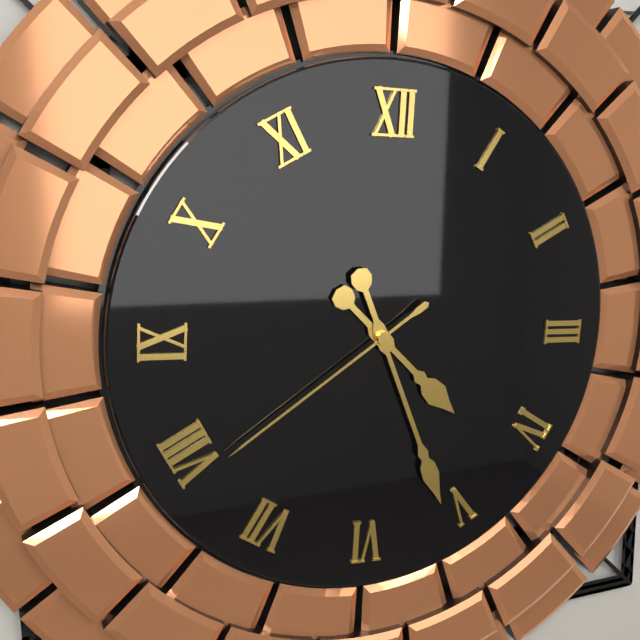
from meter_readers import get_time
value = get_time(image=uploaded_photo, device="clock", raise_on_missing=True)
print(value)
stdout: 4:26:39
